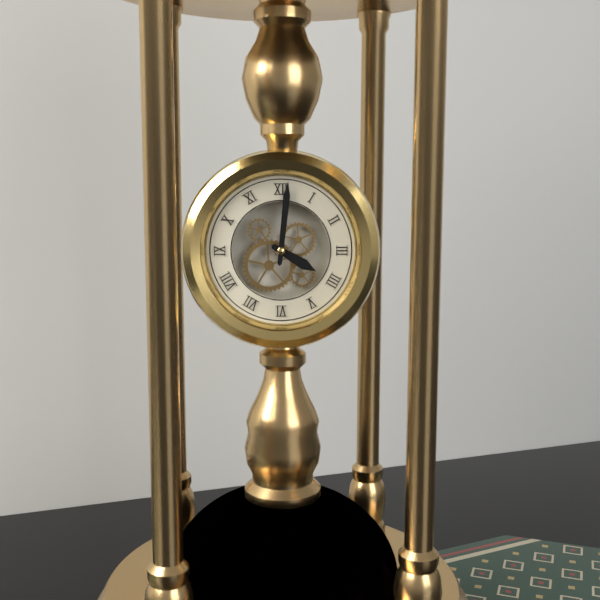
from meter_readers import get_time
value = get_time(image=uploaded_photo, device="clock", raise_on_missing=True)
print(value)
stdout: 4:01
